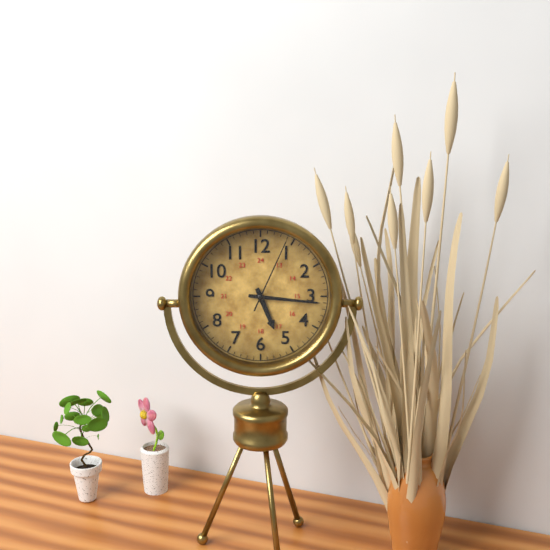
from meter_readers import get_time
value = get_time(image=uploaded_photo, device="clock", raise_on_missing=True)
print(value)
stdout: 5:16:04
